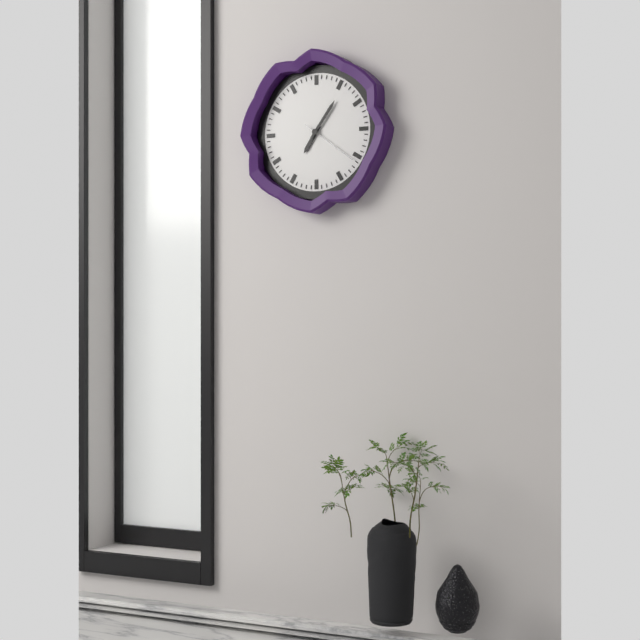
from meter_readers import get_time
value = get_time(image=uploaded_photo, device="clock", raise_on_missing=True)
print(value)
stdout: 7:06:21
